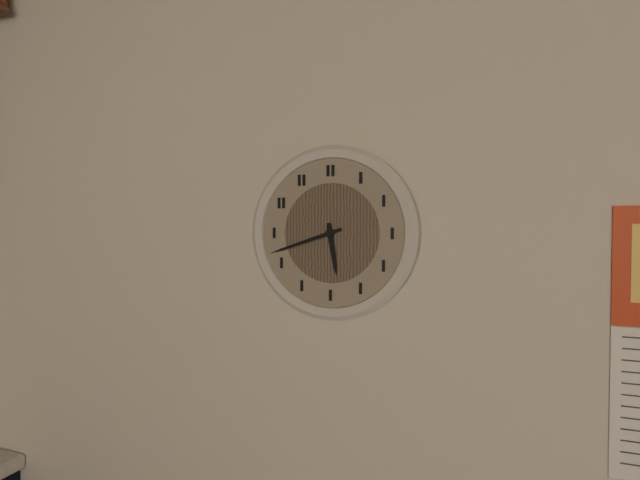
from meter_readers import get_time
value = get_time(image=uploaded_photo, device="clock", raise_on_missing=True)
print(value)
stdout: 5:42
